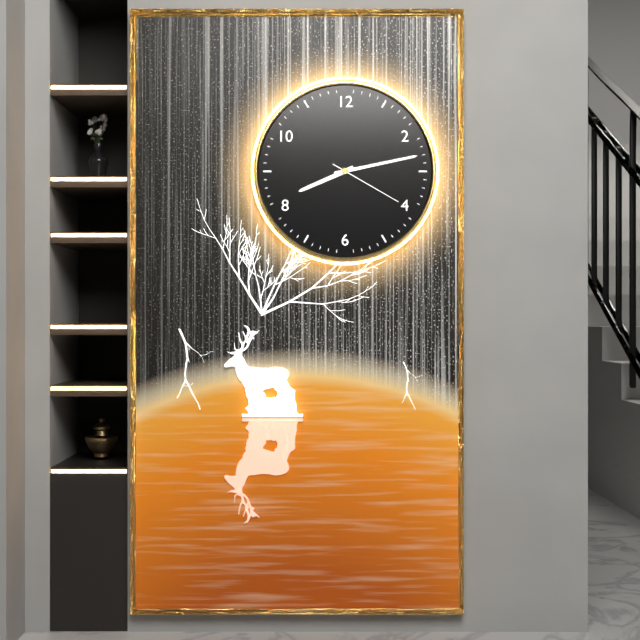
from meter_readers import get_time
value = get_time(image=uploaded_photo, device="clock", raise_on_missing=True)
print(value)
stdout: 8:13:20
